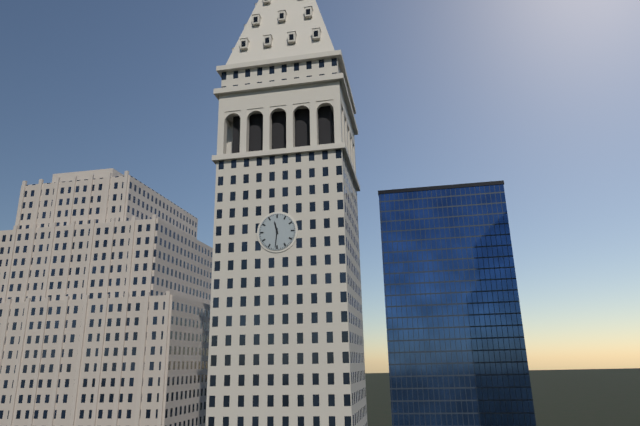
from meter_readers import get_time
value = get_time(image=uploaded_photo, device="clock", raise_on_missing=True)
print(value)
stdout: 11:31
